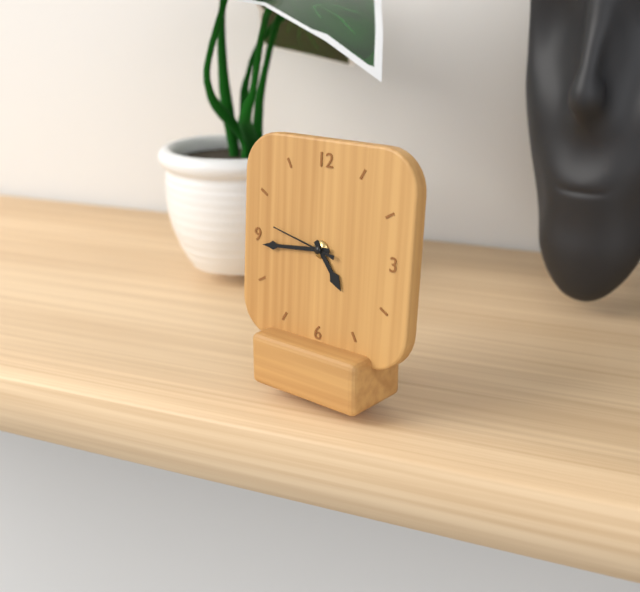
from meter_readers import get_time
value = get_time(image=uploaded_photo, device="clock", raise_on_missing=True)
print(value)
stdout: 4:44:47
